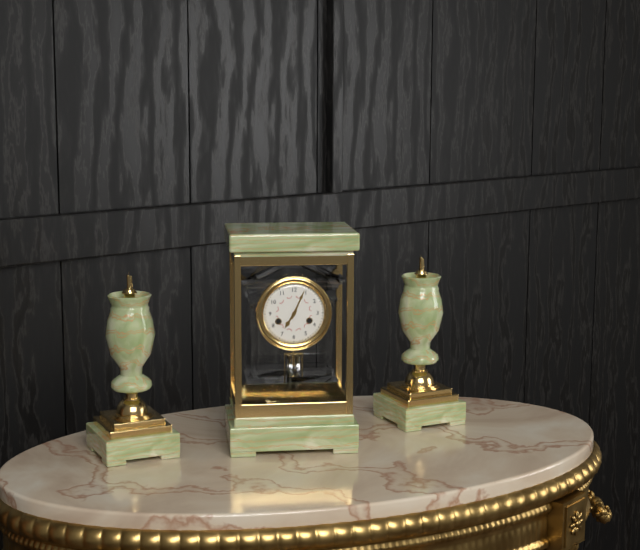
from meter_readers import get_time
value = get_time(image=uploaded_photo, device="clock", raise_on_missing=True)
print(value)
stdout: 7:04
